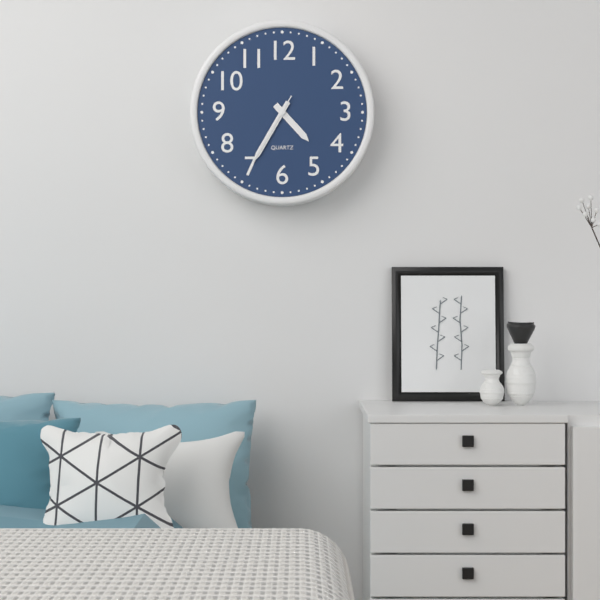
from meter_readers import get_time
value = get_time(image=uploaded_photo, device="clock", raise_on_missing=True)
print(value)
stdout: 4:35:35
